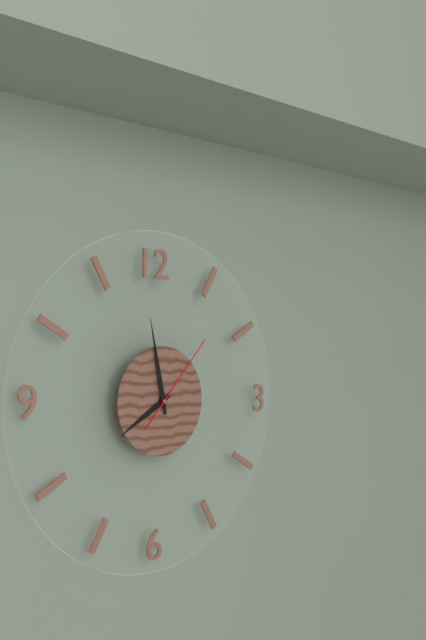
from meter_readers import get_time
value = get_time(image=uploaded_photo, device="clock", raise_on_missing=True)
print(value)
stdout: 7:58:07
